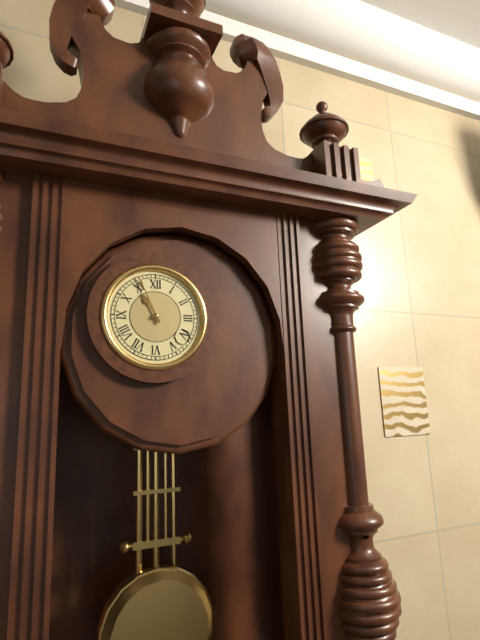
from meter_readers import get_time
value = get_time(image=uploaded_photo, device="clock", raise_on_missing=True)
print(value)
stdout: 10:56
